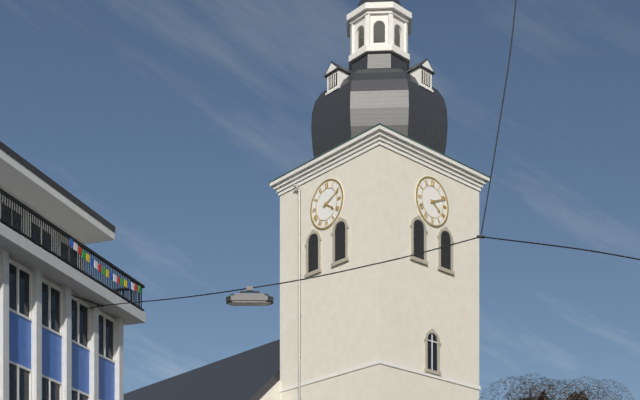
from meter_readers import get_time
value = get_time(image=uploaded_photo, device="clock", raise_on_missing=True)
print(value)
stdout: 4:11
